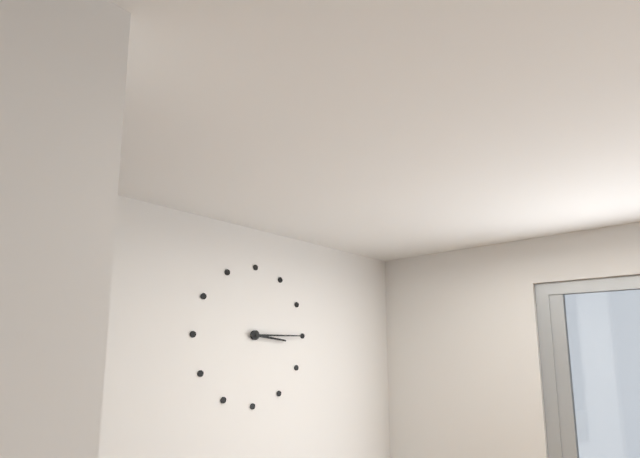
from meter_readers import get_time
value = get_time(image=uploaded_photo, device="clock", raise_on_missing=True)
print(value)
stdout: 3:15
